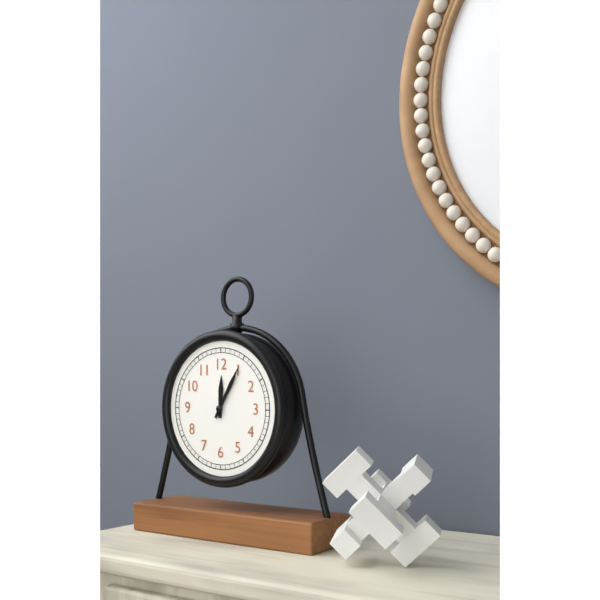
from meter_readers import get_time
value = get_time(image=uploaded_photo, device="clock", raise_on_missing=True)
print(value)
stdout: 12:05
